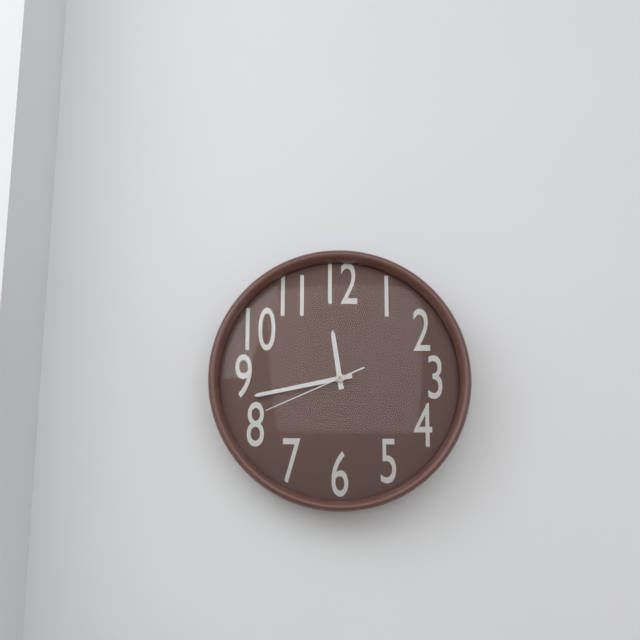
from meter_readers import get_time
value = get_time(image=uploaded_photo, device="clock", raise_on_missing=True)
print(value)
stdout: 11:43:41
